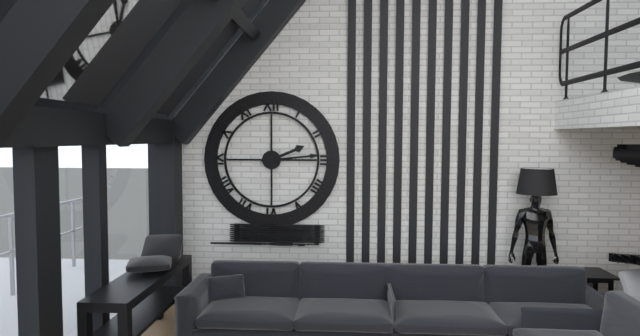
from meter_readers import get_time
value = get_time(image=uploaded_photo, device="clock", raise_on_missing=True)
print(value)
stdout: 2:14
